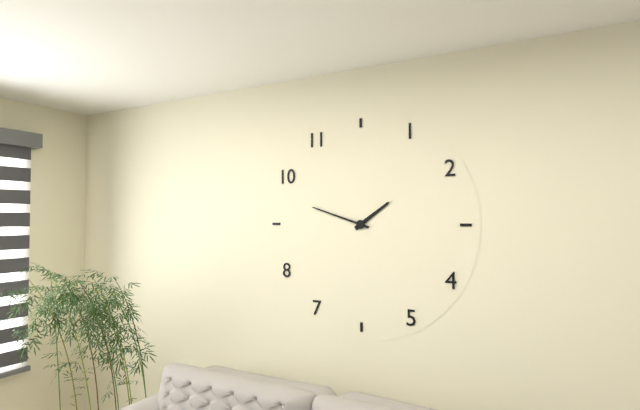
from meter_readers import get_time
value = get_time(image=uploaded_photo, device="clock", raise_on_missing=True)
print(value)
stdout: 1:48
